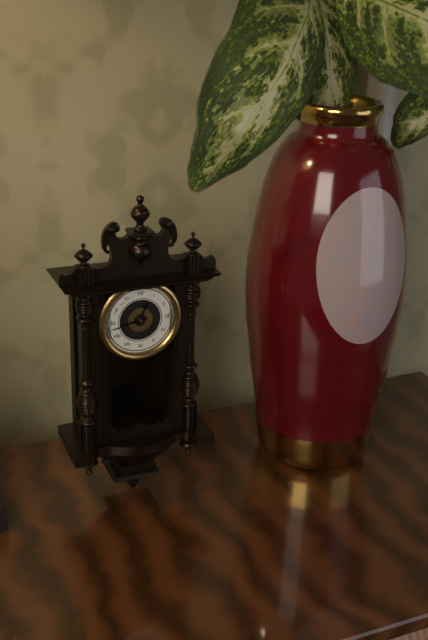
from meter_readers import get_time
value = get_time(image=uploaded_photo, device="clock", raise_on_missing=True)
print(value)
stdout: 12:43
